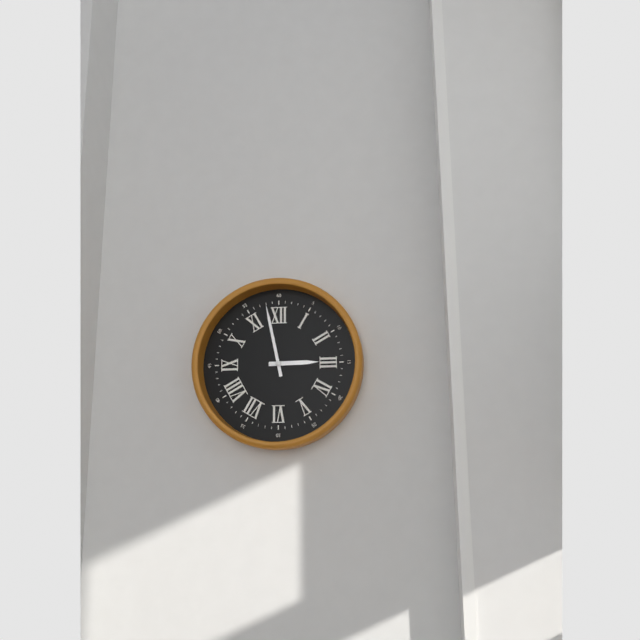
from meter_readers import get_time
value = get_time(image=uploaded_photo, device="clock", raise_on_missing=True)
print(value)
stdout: 2:58
